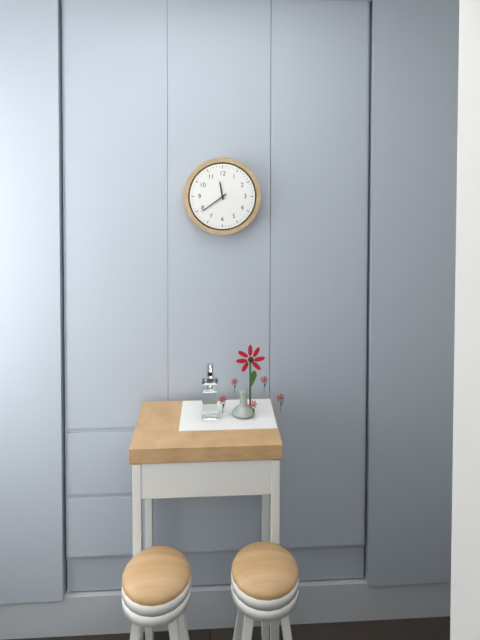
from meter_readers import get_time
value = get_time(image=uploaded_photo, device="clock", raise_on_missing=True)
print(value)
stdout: 11:39
